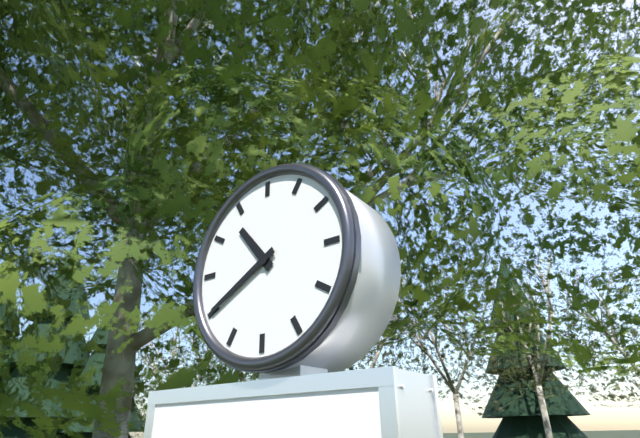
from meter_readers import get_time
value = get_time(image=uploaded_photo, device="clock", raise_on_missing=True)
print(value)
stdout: 10:40
